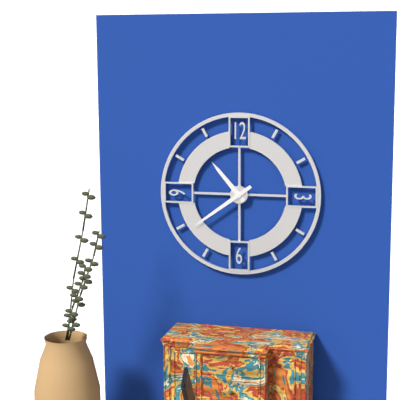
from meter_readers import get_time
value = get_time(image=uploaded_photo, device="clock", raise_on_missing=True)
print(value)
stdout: 10:39
